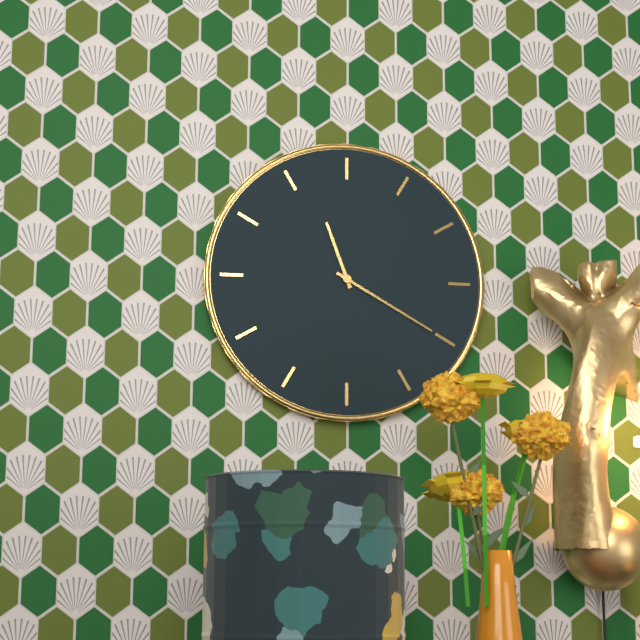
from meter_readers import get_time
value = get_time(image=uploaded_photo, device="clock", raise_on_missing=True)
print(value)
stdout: 11:20
